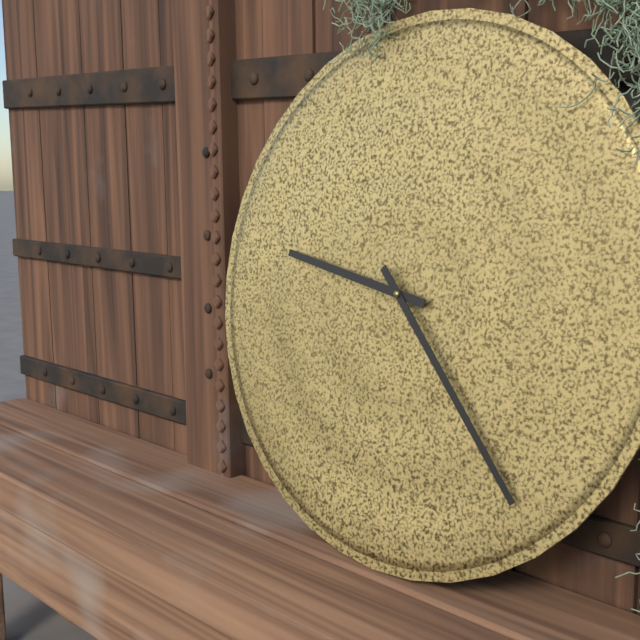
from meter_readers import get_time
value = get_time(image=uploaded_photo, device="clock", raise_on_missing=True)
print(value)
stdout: 9:23
